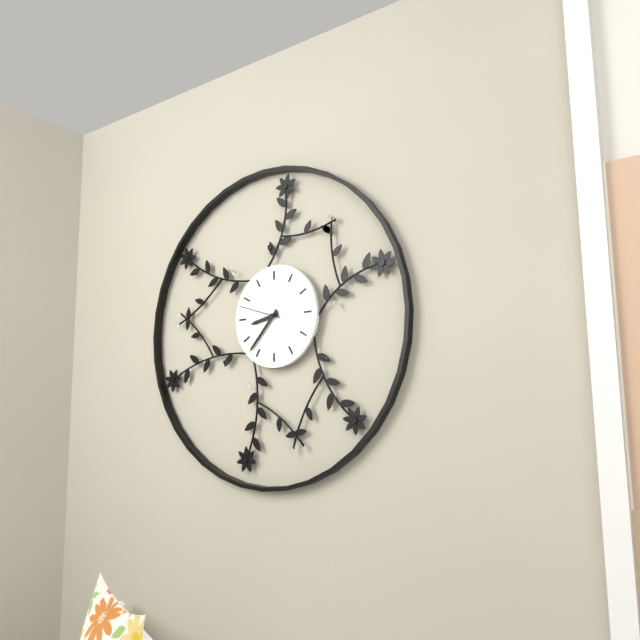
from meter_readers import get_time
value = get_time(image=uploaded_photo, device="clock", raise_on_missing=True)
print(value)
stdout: 8:37
